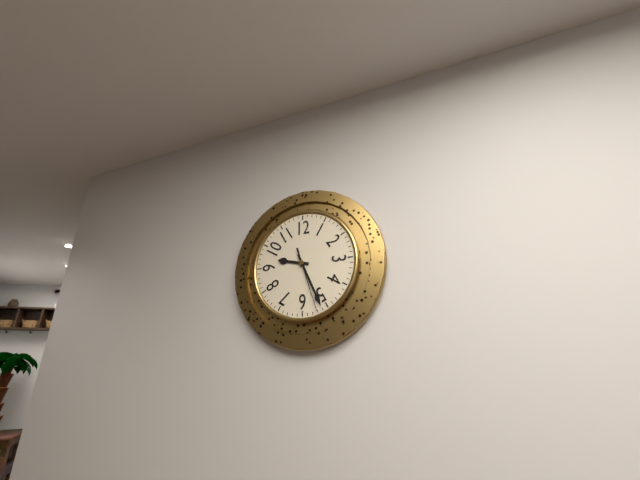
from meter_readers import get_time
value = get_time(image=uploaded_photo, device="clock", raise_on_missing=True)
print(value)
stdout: 9:26:27
